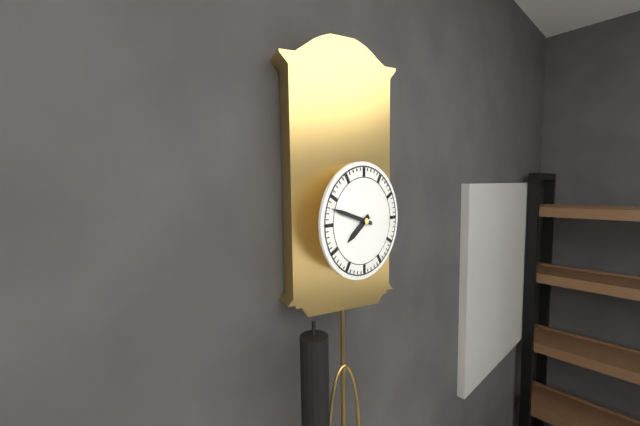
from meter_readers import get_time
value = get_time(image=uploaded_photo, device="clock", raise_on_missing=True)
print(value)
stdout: 7:48
